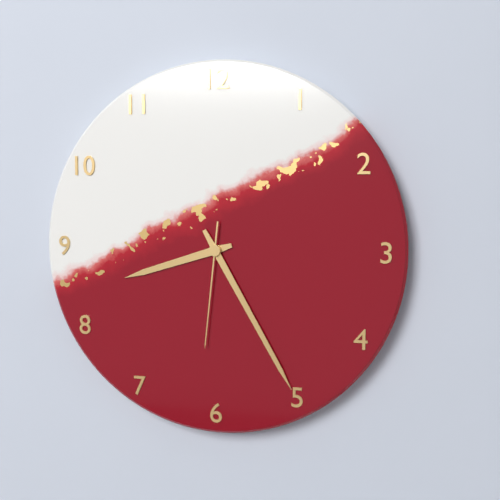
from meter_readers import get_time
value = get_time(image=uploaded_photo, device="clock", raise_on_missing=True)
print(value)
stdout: 8:25:31
